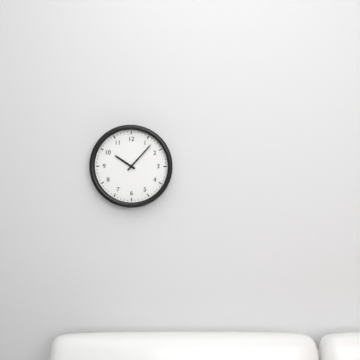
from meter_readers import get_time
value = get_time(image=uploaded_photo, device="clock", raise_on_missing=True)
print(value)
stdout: 10:07
